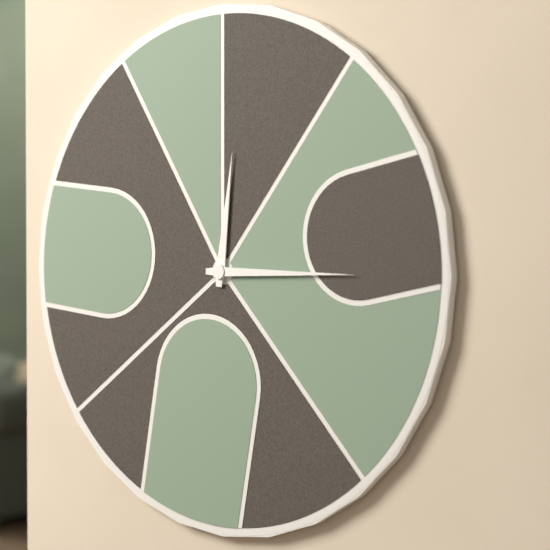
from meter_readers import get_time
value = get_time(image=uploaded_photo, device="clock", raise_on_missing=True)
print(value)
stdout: 12:15
